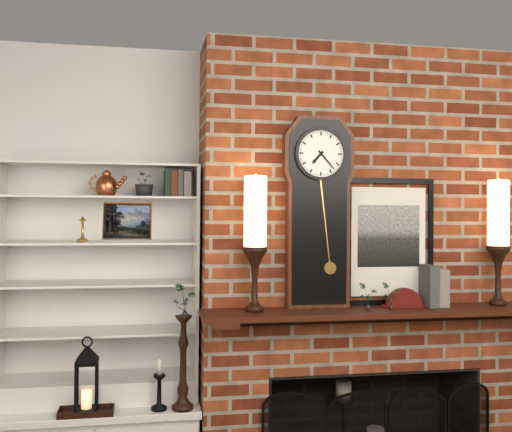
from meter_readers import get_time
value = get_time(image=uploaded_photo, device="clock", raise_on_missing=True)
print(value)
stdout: 7:23
